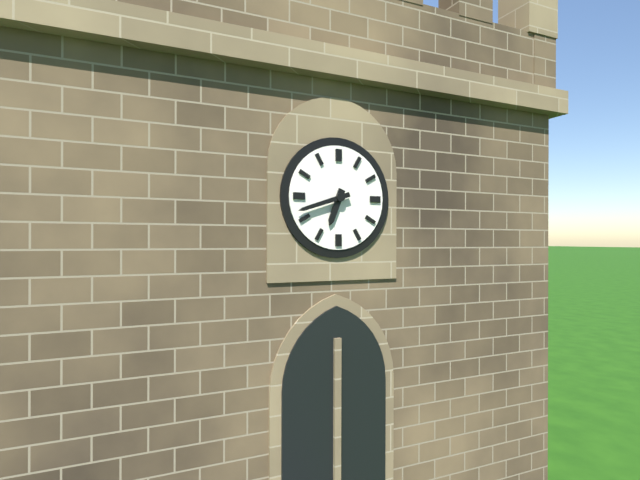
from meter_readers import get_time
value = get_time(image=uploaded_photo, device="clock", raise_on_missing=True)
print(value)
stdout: 6:42
